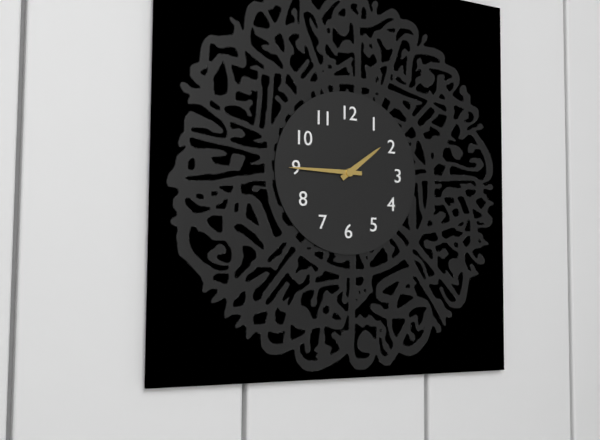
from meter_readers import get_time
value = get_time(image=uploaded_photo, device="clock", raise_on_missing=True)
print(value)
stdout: 1:45
